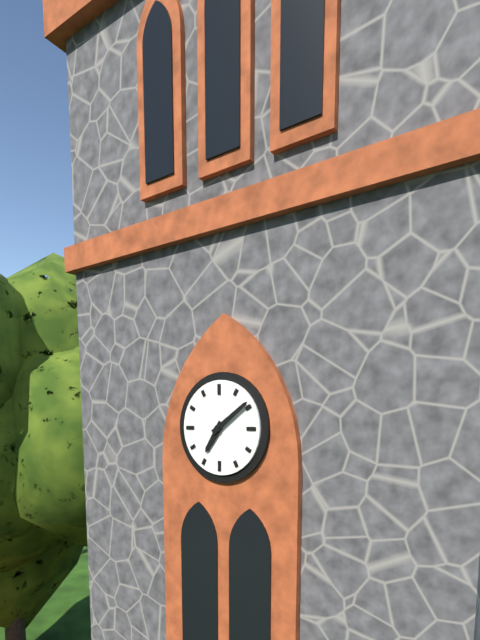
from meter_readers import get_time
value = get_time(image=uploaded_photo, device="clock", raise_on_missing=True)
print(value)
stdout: 7:09
